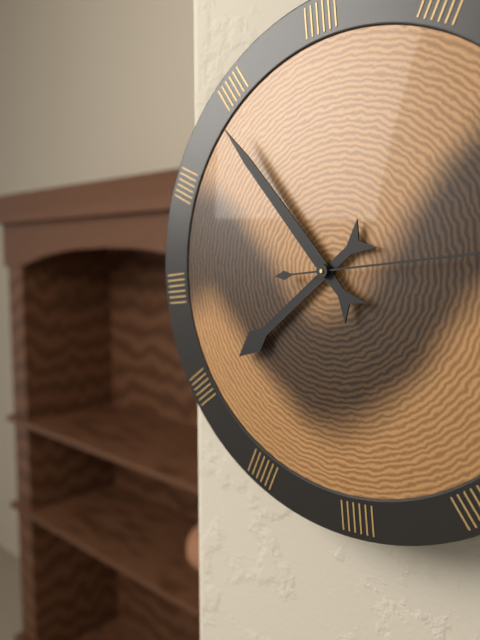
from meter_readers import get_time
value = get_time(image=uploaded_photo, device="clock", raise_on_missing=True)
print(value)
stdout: 7:54
